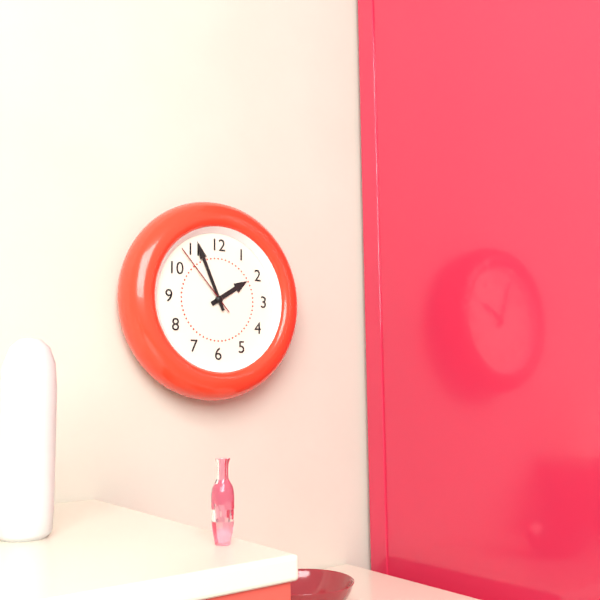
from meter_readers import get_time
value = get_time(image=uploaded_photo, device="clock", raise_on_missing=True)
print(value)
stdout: 1:56:53
